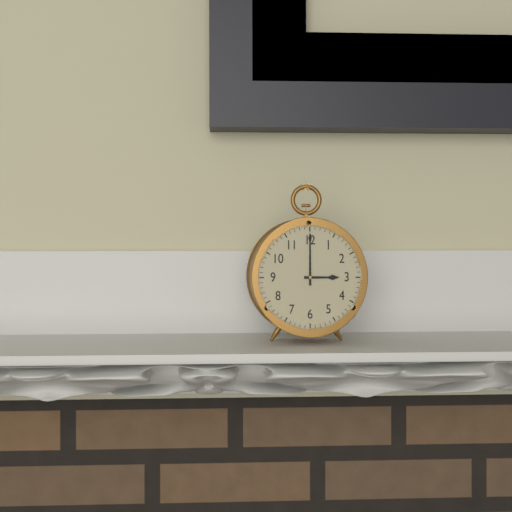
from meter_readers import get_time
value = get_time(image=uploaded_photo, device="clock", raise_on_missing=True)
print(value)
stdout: 3:00
